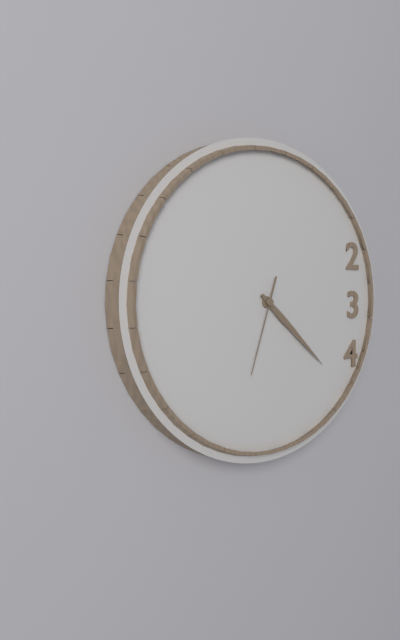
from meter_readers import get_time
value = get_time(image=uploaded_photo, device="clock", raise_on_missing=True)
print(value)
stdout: 4:22:33
